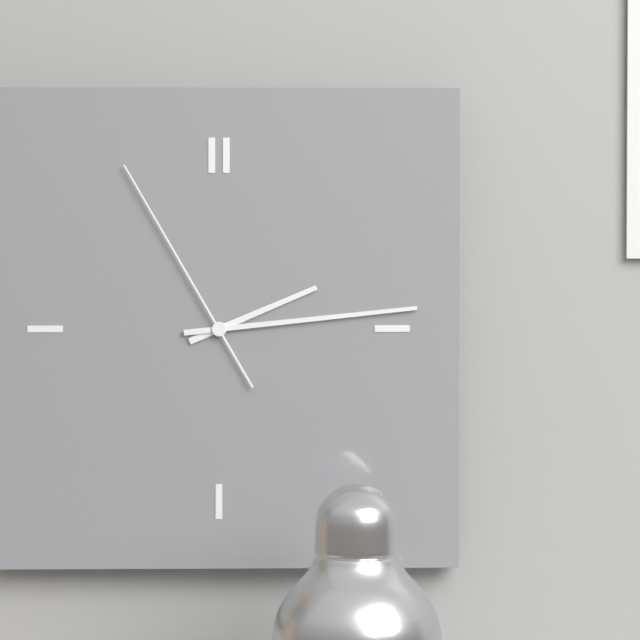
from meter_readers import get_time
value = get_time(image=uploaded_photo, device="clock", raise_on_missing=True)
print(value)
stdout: 2:14:55
